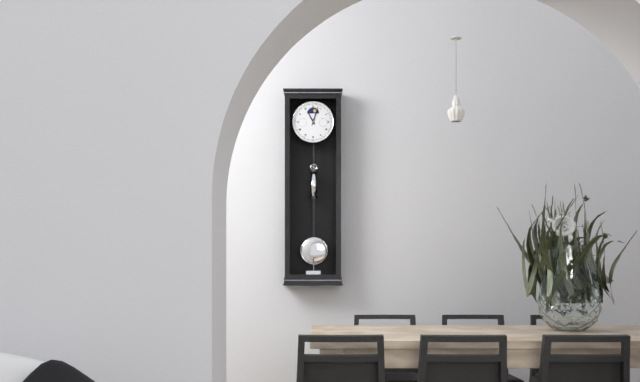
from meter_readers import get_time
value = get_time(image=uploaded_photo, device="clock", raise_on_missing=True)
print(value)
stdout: 11:03
